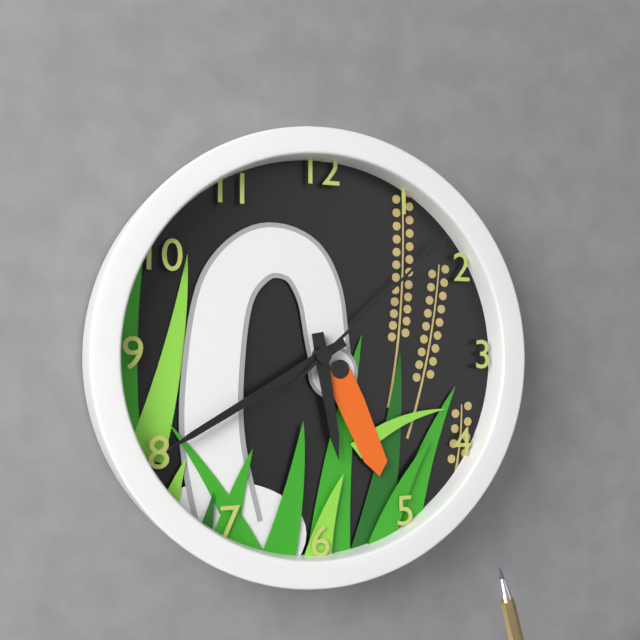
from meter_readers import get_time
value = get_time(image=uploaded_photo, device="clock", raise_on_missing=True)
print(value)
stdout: 5:40:08
